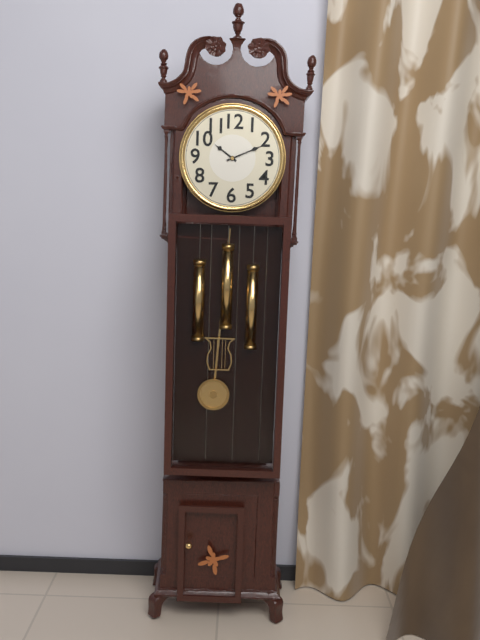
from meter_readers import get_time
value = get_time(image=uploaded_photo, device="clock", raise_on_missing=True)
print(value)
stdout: 10:11
